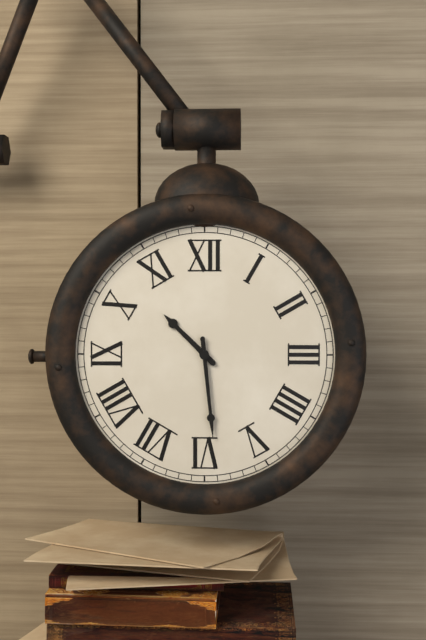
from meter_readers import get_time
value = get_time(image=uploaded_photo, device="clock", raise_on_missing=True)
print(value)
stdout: 10:29
